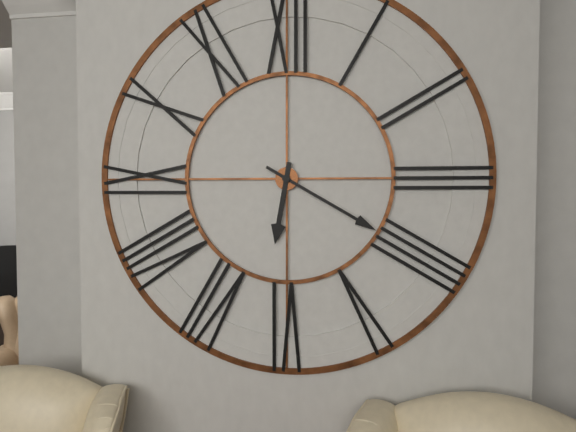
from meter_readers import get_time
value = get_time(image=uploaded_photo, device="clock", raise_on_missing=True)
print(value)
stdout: 6:20
